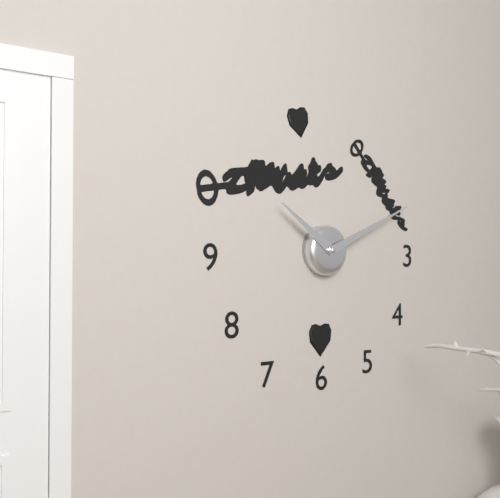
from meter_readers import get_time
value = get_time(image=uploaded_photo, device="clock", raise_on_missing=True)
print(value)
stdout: 10:11
